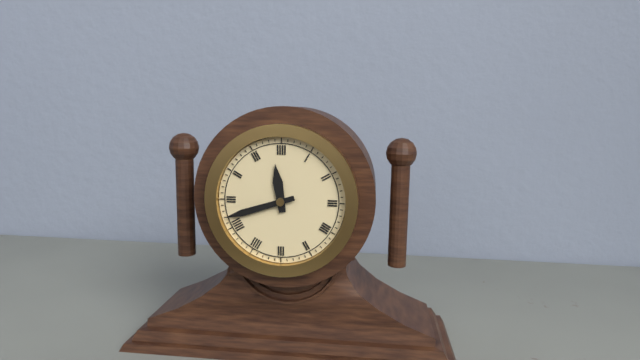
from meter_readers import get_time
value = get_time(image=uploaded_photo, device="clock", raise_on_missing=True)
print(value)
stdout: 11:42
